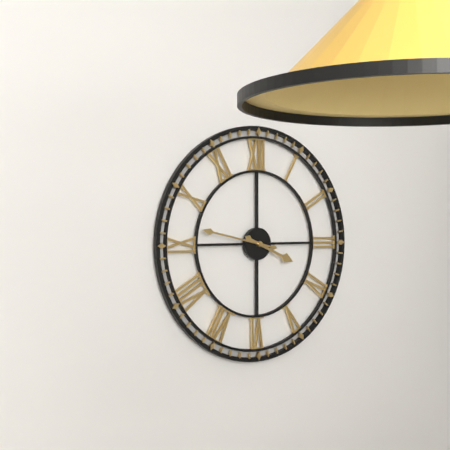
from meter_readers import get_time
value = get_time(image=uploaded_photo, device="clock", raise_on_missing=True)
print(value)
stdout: 3:47
